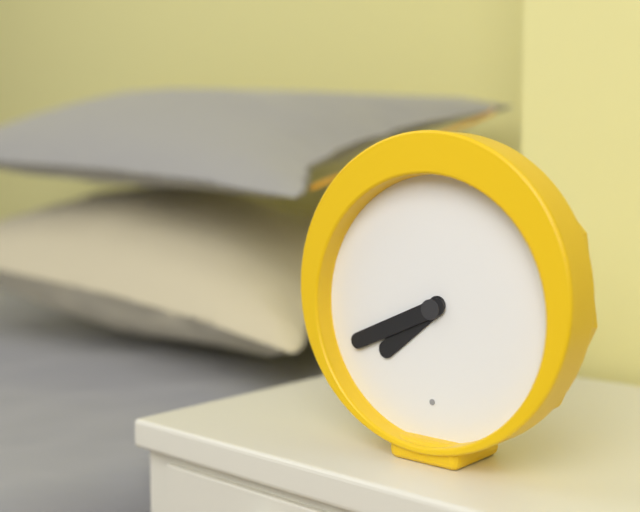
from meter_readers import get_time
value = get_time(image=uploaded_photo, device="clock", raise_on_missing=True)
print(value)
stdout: 7:41
